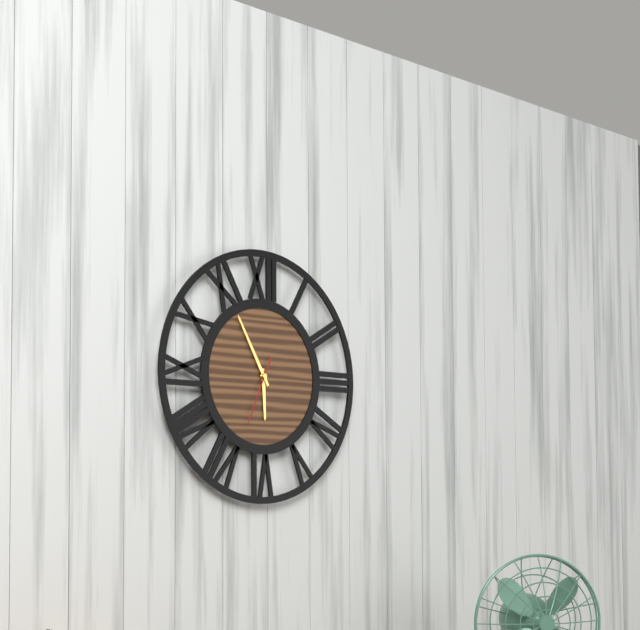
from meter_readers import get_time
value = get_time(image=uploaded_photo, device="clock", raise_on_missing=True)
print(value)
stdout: 5:55:34
